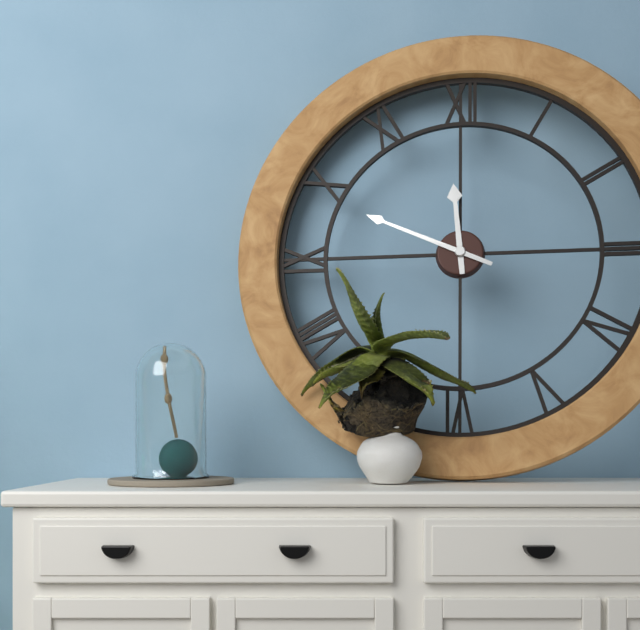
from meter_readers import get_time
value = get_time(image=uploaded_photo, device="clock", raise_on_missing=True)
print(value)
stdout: 11:49
